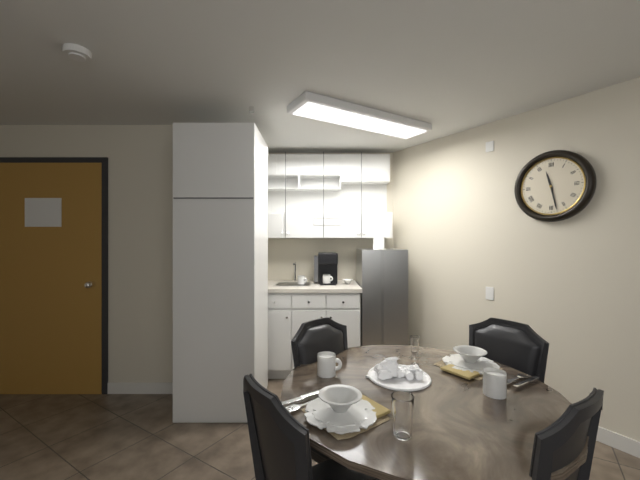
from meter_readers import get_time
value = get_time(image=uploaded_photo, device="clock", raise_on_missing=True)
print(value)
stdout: 11:28
